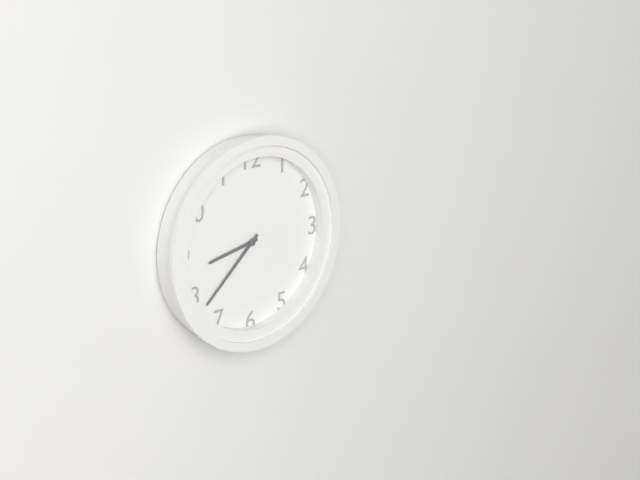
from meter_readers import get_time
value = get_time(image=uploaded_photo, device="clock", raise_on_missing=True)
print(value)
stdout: 8:38
